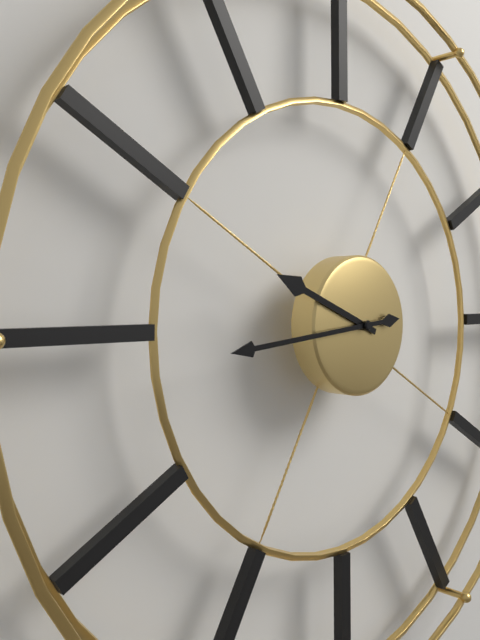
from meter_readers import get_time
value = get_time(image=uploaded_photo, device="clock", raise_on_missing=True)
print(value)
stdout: 9:44
